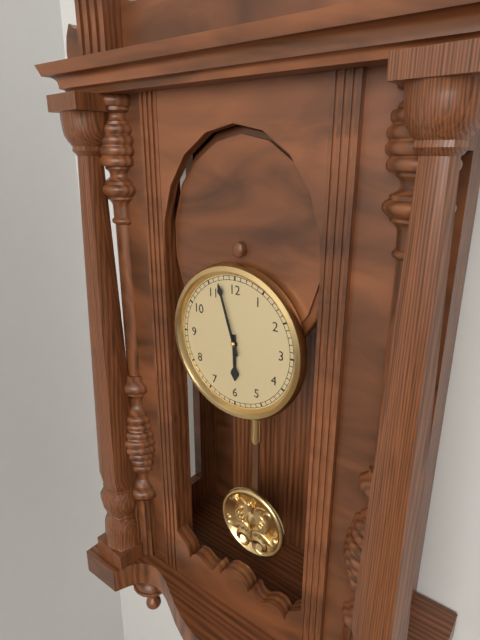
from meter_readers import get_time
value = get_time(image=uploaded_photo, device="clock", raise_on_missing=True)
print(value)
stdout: 5:57
